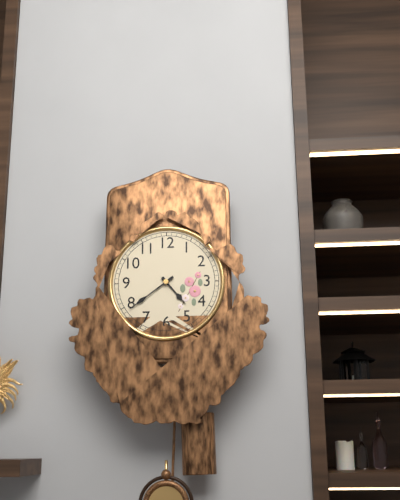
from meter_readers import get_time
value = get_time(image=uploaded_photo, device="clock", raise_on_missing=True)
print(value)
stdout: 4:39
